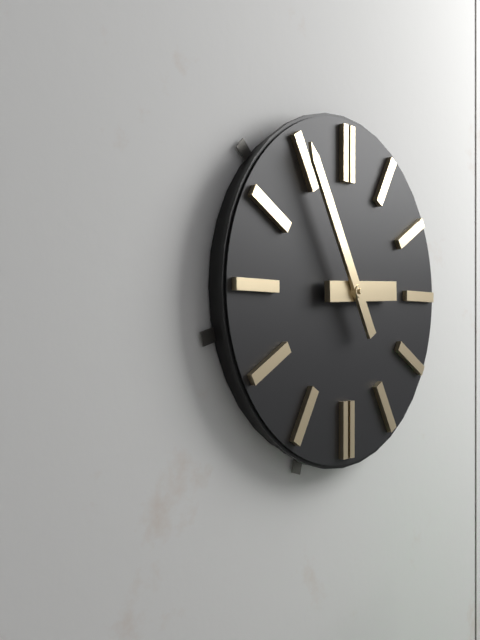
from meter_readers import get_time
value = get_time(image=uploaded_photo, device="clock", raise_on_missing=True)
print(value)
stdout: 2:55
